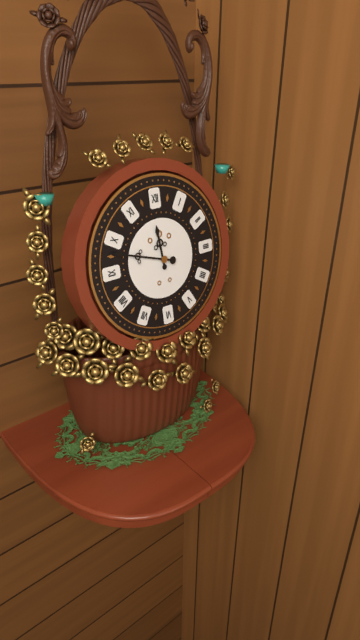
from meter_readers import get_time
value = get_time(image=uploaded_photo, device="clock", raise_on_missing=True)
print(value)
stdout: 11:48
